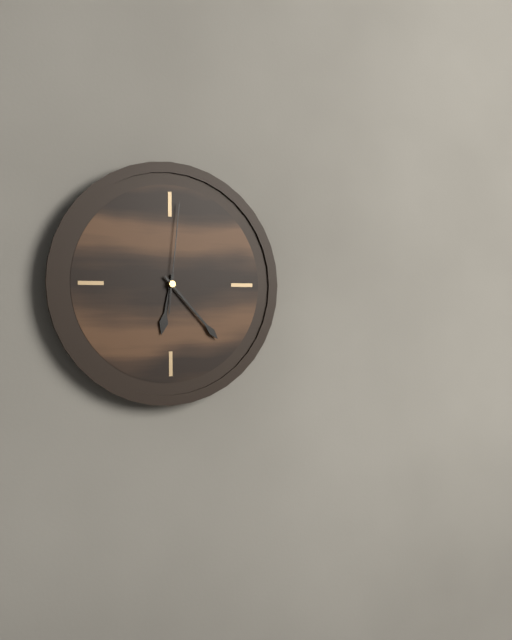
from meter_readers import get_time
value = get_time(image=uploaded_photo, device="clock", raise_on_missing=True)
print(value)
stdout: 6:23:01
